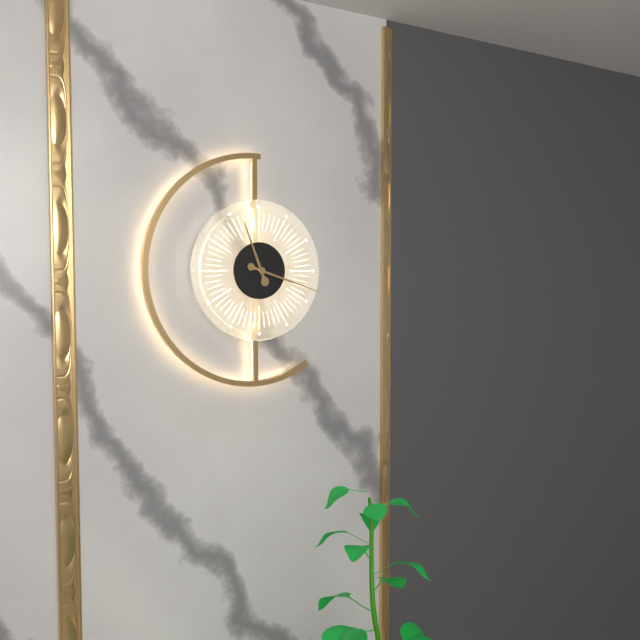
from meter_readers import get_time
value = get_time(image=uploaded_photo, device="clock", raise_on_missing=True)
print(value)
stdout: 11:18
